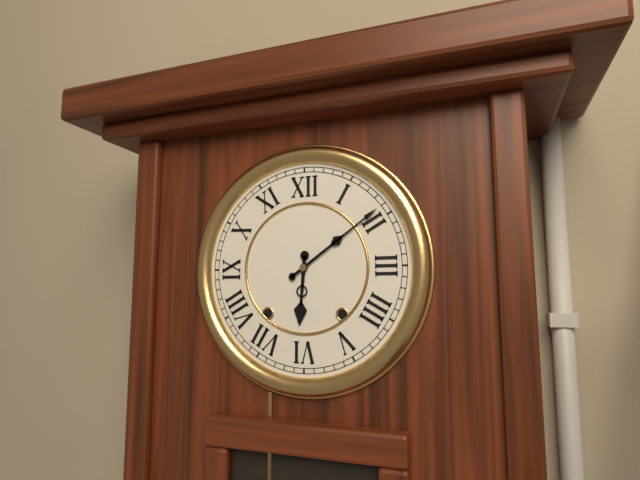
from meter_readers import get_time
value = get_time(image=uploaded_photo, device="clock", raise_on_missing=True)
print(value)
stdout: 6:09
